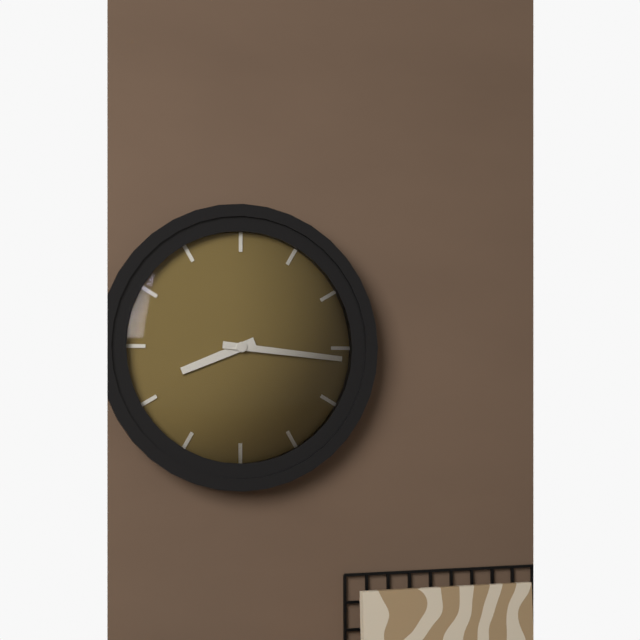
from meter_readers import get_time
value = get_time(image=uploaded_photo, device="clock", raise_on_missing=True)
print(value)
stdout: 8:16
